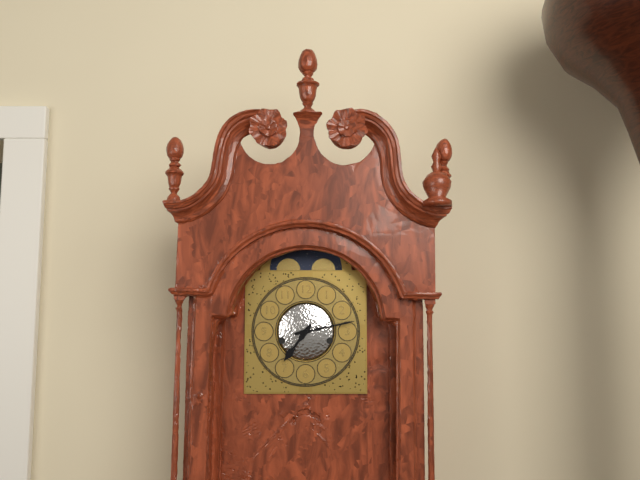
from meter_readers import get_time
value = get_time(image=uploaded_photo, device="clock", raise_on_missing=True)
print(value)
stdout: 7:13
